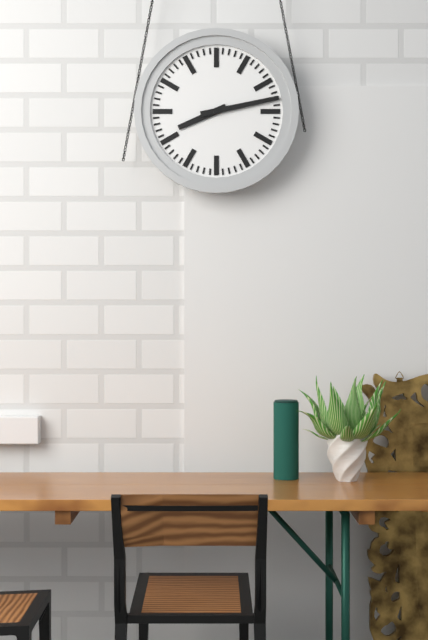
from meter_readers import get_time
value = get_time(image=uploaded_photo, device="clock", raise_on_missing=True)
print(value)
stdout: 8:13
